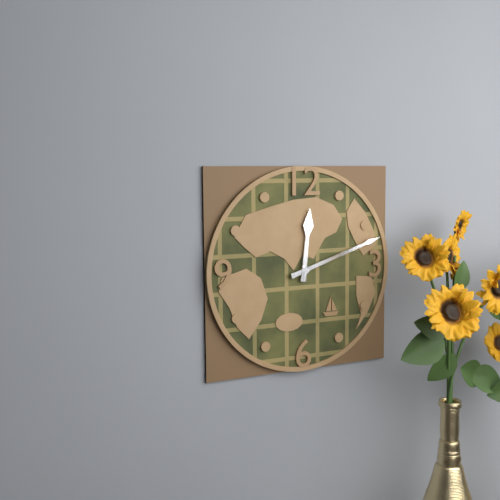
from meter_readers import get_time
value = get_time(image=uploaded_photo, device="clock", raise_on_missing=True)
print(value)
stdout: 12:12
